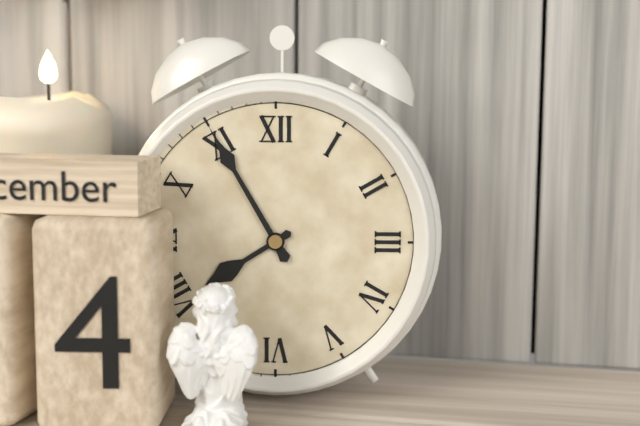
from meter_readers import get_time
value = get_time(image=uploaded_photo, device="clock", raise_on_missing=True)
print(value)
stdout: 7:55
